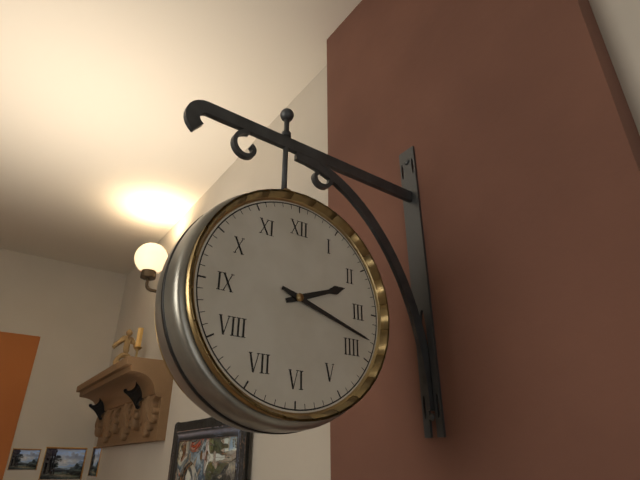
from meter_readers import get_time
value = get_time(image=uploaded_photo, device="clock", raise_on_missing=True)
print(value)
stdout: 2:18
